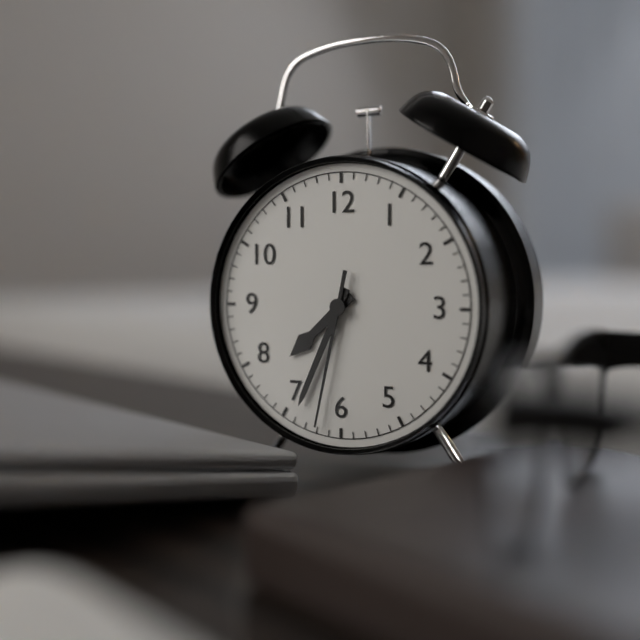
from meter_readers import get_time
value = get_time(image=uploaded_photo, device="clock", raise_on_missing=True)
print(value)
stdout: 7:34:32
